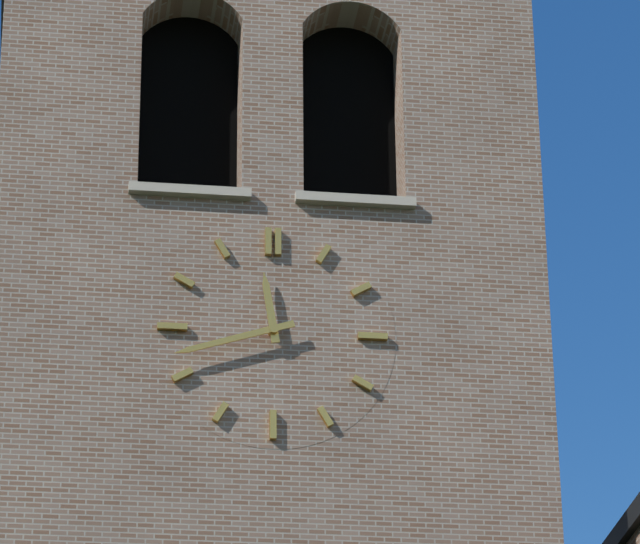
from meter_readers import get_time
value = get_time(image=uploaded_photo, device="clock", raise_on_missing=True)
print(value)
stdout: 11:42
